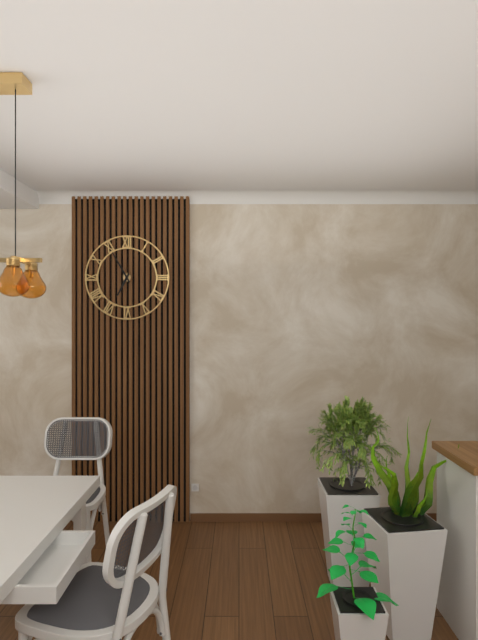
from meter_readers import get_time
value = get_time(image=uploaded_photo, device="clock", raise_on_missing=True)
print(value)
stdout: 6:55
